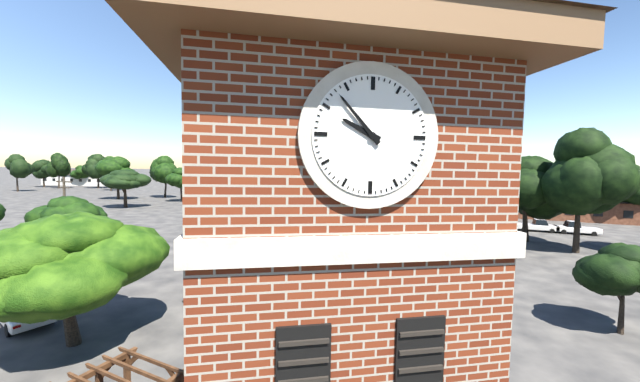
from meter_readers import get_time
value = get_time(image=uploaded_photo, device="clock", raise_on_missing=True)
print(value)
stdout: 9:53
